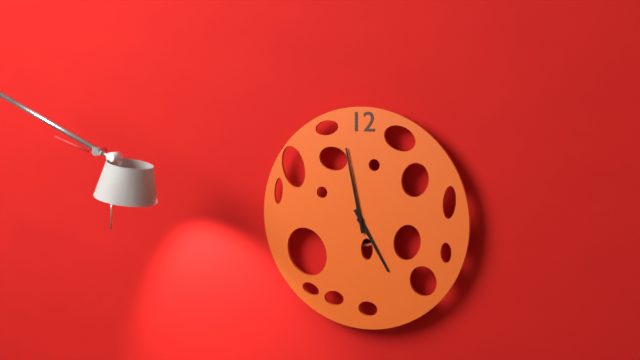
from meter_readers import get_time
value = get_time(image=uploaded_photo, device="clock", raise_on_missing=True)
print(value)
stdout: 4:58
